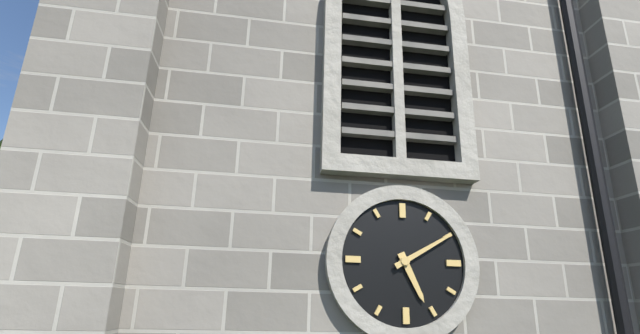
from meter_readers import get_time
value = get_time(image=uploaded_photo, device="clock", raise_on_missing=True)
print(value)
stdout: 5:10
